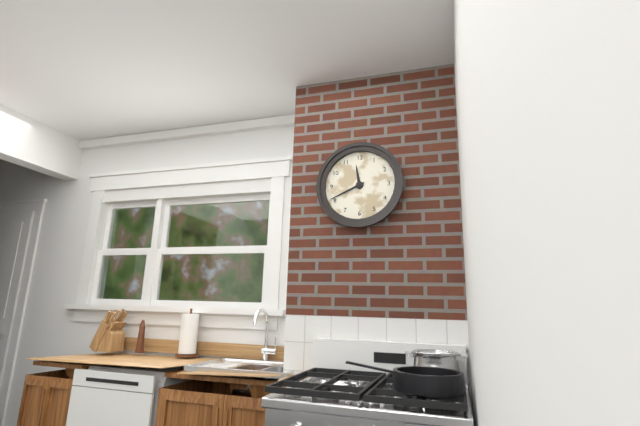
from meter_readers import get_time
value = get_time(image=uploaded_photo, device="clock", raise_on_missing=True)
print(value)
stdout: 11:41
